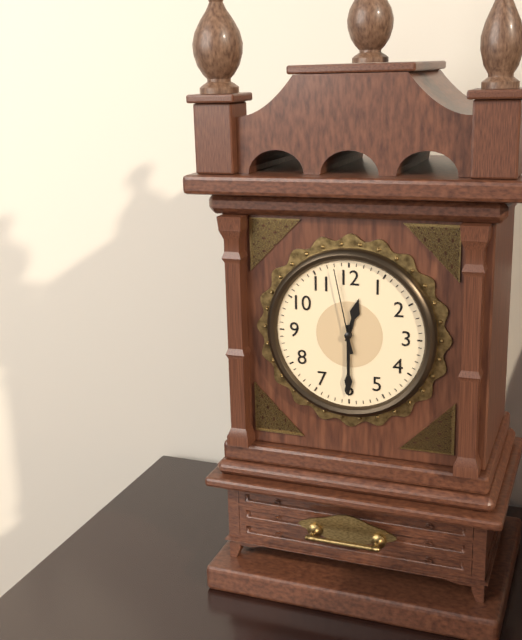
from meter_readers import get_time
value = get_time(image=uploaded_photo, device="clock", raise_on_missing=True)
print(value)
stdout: 12:30:58
